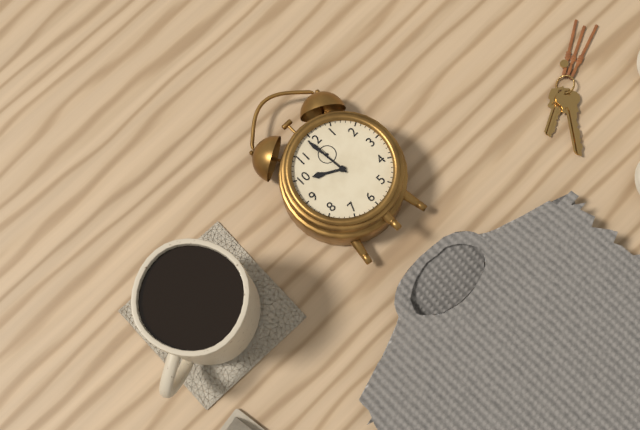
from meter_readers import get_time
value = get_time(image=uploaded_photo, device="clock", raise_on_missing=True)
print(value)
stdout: 9:59
